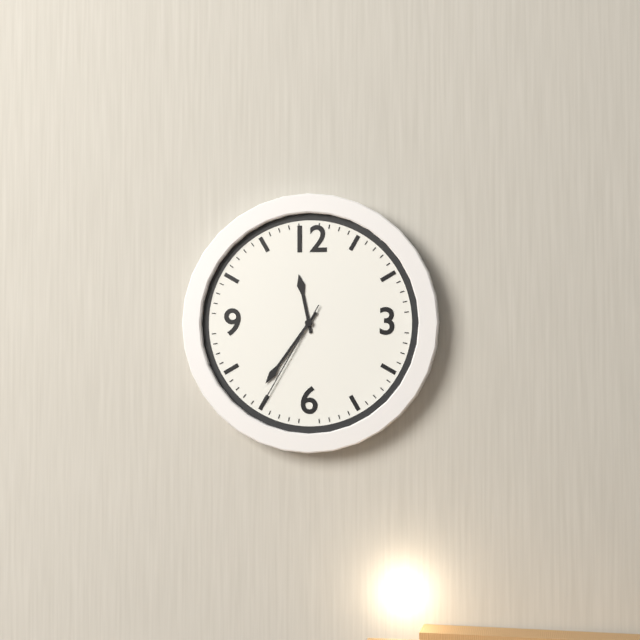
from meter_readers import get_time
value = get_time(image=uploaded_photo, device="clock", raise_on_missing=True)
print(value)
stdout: 11:36:35
